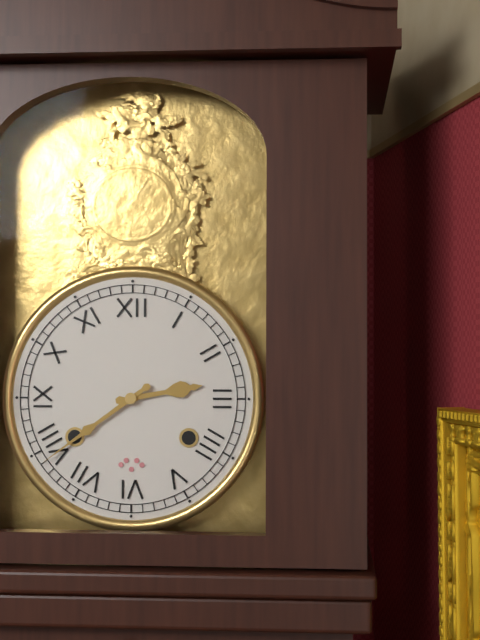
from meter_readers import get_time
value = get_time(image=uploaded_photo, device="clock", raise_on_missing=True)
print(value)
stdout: 2:39
